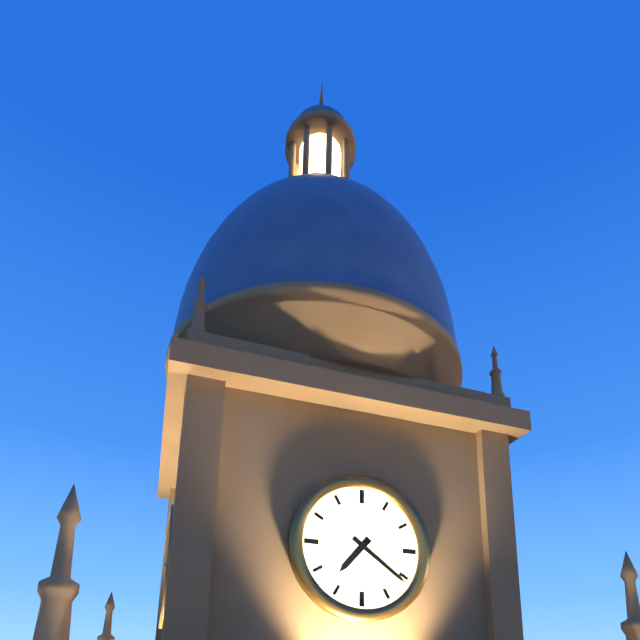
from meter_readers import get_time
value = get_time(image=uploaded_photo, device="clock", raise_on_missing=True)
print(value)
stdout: 7:21
